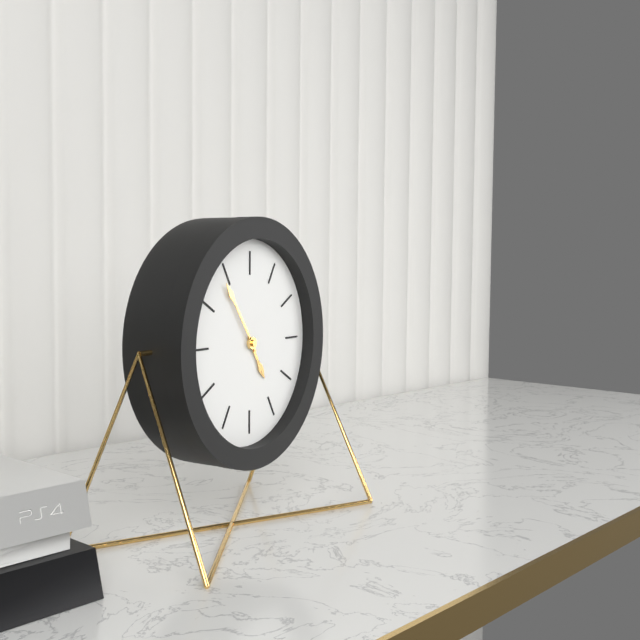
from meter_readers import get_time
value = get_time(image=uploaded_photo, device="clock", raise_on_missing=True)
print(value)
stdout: 4:54
